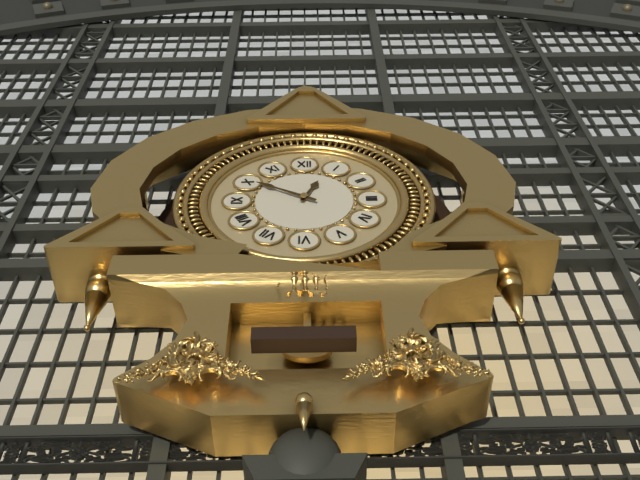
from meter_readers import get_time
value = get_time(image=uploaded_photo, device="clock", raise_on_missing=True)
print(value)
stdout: 12:50
